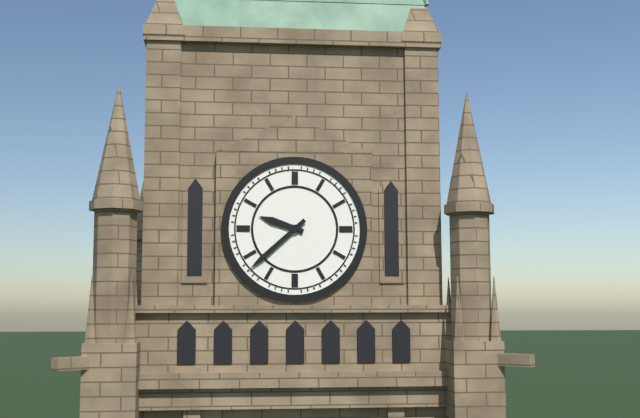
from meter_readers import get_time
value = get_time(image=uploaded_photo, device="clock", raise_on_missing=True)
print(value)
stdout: 9:38
